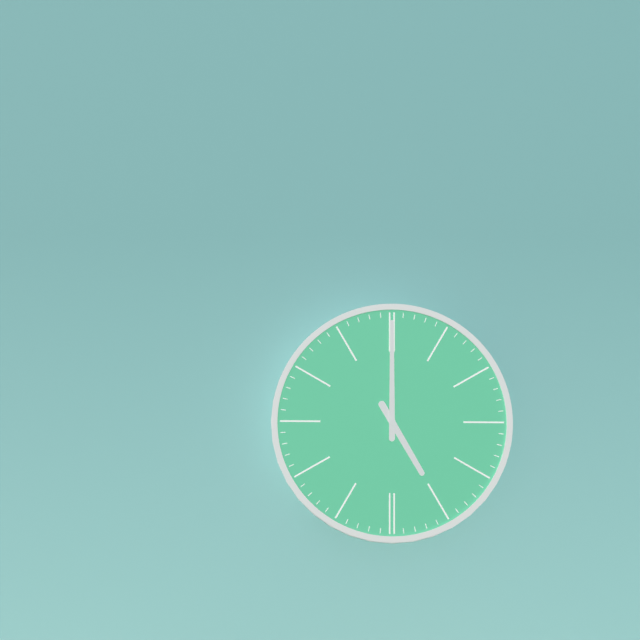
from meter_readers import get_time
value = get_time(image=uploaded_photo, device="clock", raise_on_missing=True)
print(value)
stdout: 5:00
